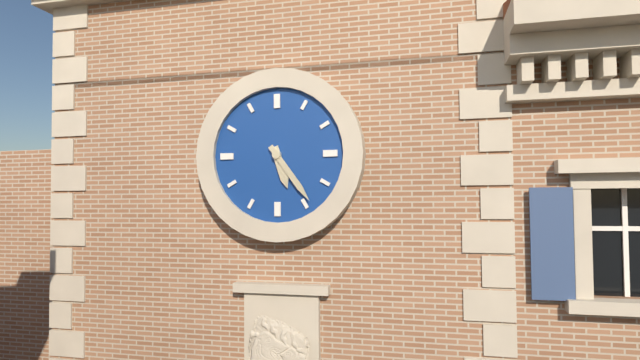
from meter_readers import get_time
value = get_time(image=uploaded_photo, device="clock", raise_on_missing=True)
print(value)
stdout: 5:24
